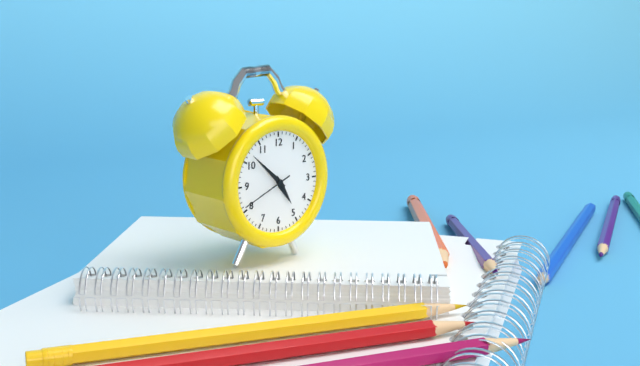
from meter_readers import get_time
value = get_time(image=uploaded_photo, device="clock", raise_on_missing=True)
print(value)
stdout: 4:52:41
